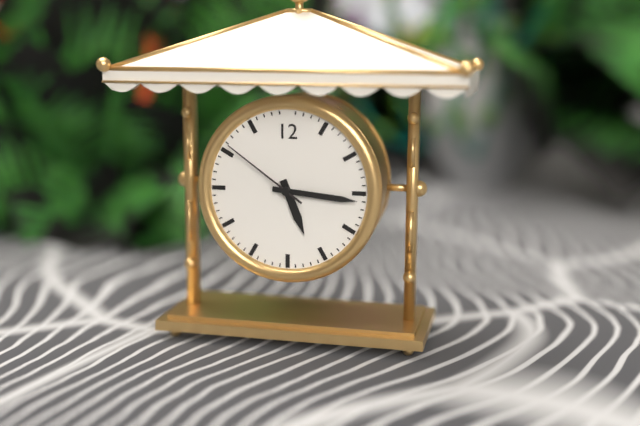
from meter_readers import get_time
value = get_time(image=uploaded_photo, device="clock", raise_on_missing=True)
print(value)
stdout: 5:16:51
